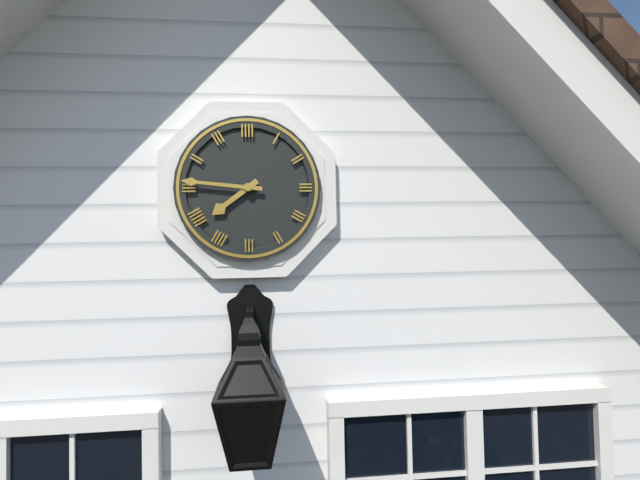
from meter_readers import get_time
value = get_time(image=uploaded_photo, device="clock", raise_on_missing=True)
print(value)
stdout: 7:46
